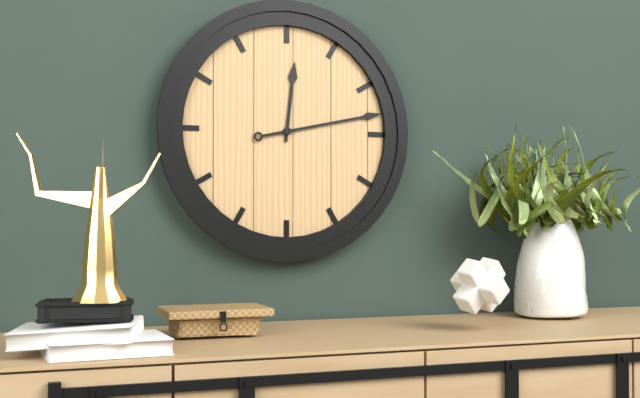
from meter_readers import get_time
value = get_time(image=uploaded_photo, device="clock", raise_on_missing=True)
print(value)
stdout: 12:13
